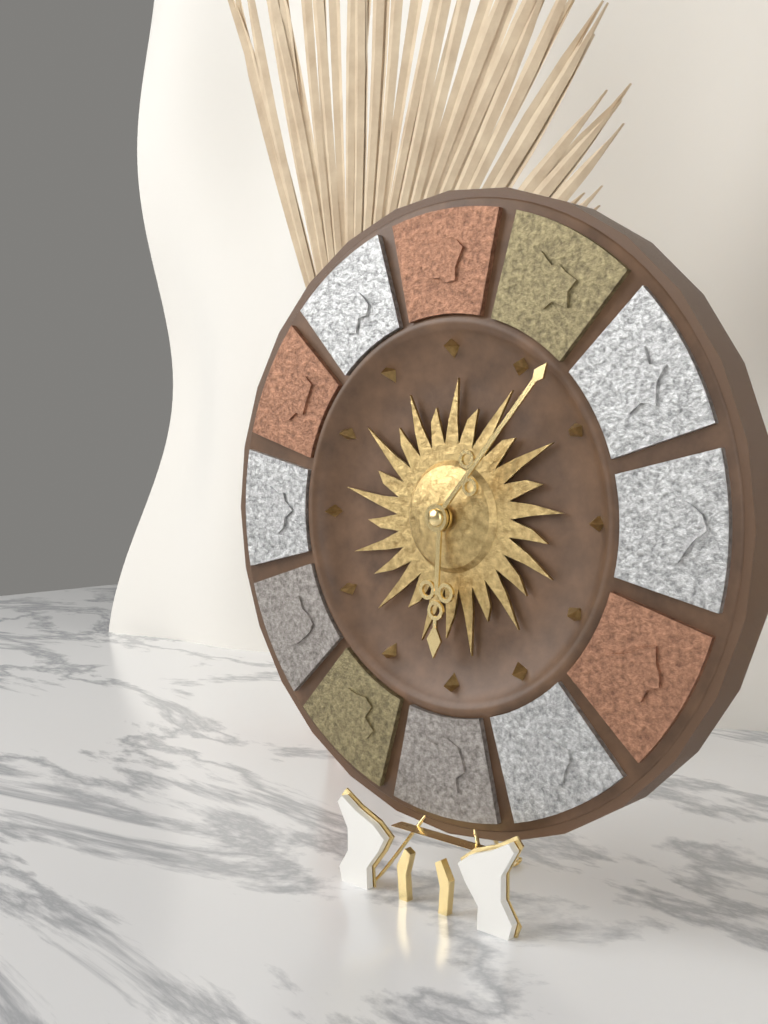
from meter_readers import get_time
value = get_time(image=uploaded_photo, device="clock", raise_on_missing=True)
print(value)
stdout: 6:07
